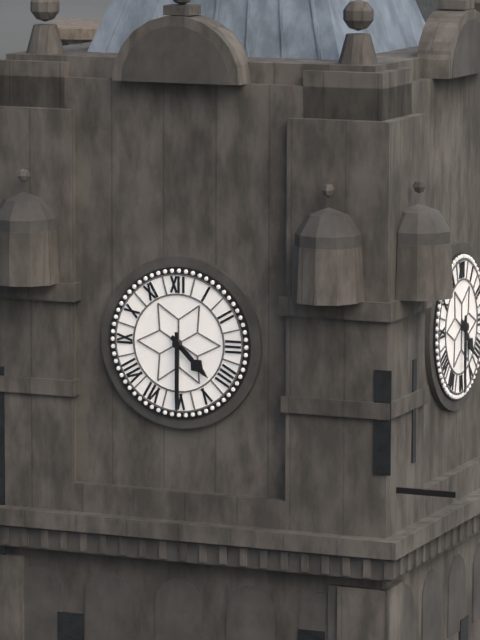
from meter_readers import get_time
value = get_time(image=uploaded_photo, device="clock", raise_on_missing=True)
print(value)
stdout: 4:30
